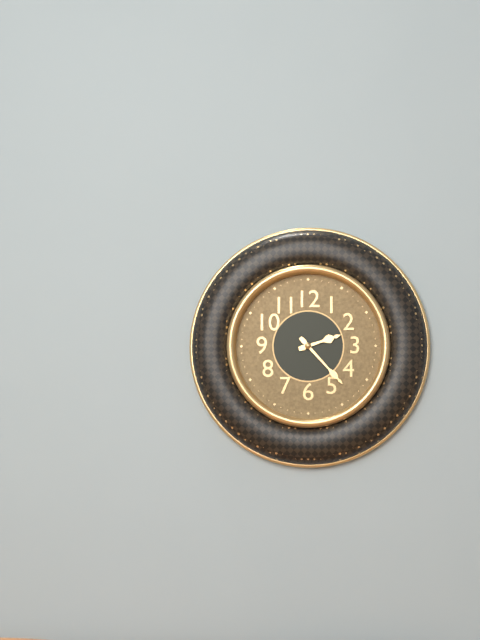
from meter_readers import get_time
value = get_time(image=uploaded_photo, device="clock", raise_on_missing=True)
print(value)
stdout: 2:23
